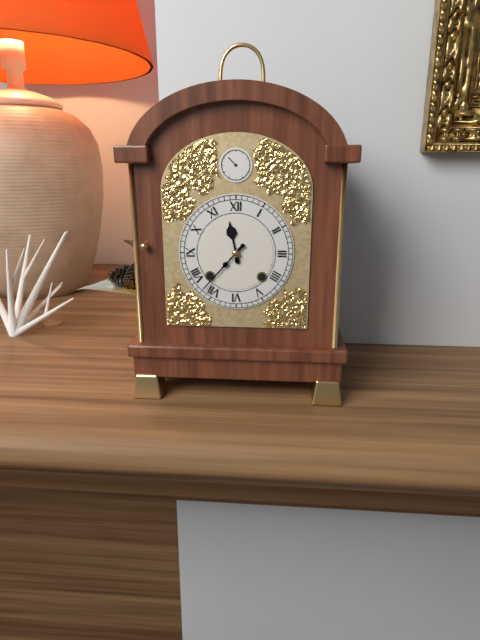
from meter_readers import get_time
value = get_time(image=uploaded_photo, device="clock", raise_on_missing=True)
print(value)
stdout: 11:37
